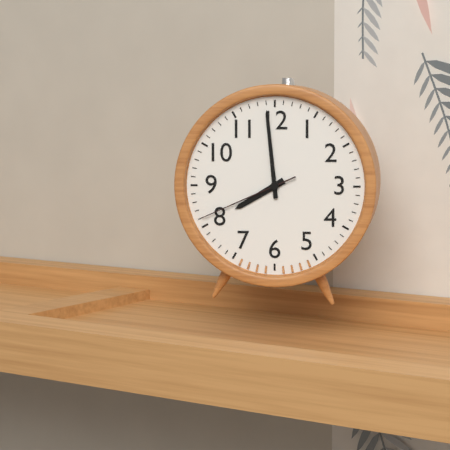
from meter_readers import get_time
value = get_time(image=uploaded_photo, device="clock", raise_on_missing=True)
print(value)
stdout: 7:59:41
